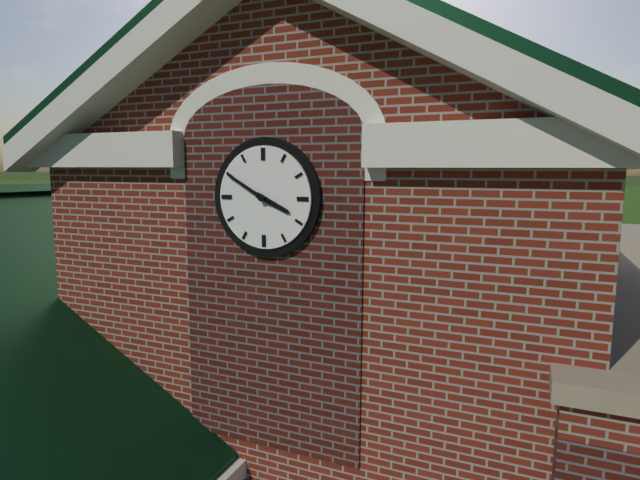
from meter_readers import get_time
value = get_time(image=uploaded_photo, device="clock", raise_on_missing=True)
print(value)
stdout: 3:50
